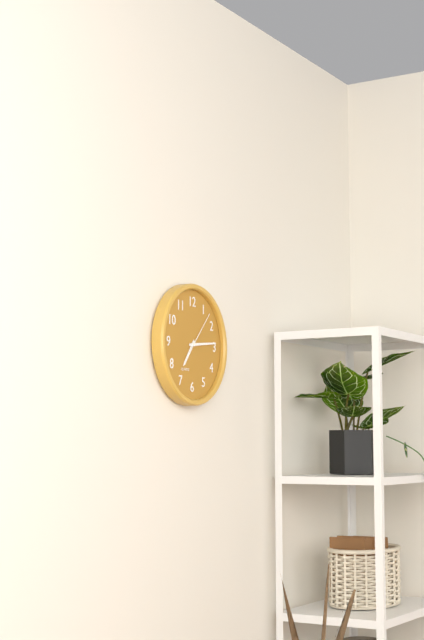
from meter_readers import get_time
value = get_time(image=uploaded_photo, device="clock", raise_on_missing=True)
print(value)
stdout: 7:14
